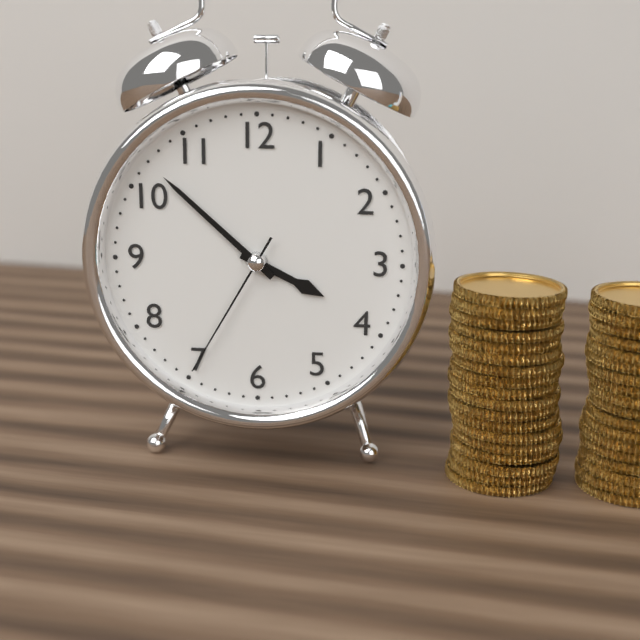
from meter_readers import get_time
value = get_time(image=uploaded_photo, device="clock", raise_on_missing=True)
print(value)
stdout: 3:52:35
